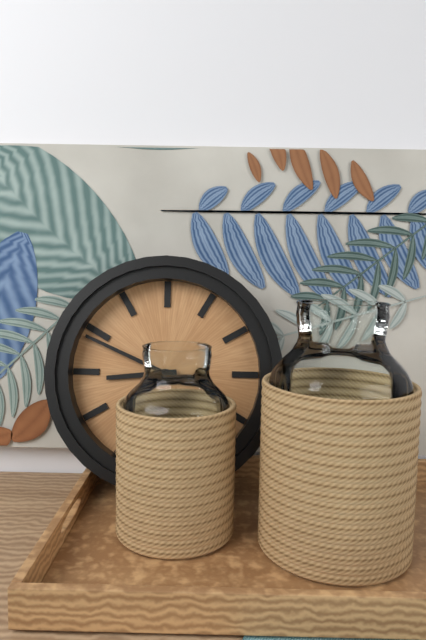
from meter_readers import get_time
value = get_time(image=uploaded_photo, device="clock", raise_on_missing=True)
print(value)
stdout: 8:49
